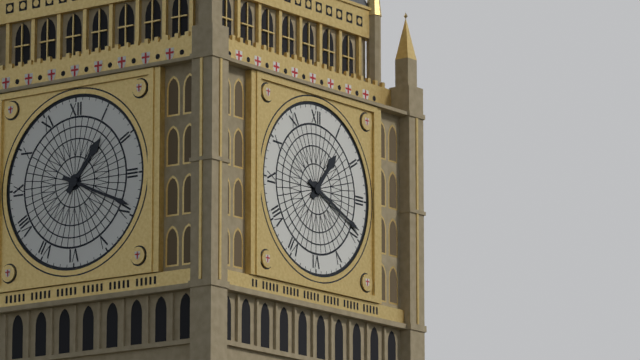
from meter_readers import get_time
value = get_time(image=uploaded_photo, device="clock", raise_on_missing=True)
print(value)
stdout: 1:19
